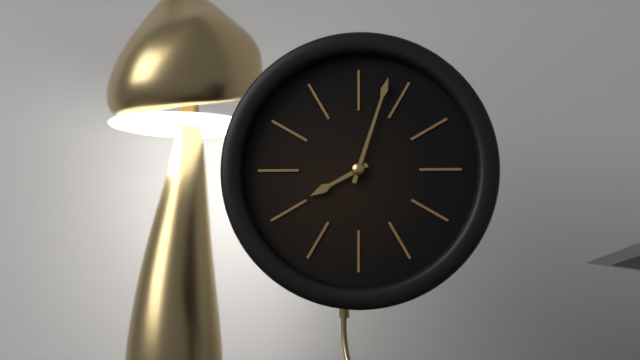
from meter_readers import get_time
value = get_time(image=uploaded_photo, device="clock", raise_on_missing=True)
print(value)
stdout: 8:03
